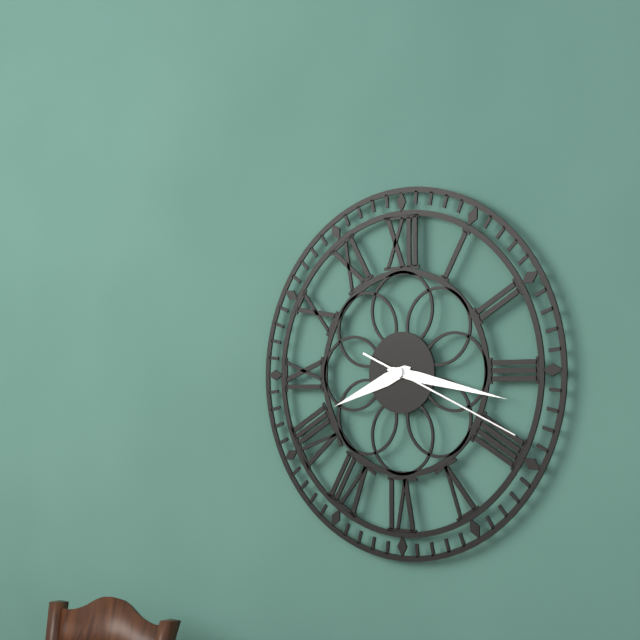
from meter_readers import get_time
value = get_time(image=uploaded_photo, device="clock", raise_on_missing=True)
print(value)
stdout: 8:17:19
